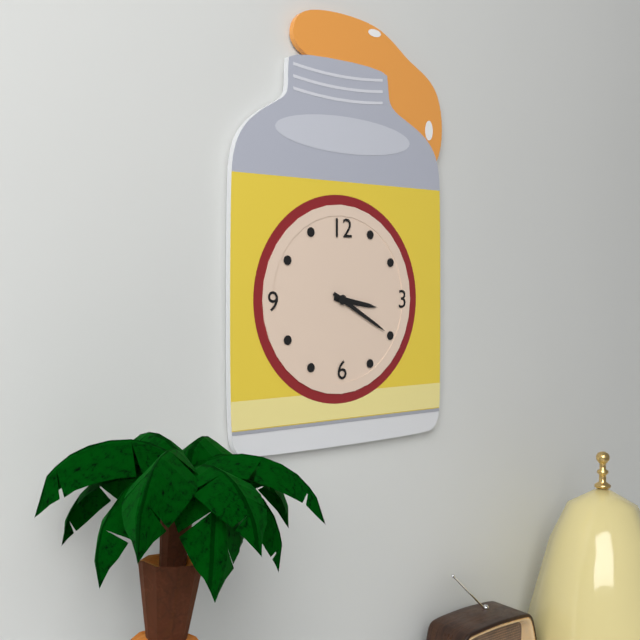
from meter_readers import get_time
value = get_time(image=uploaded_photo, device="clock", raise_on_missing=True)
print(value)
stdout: 3:20
